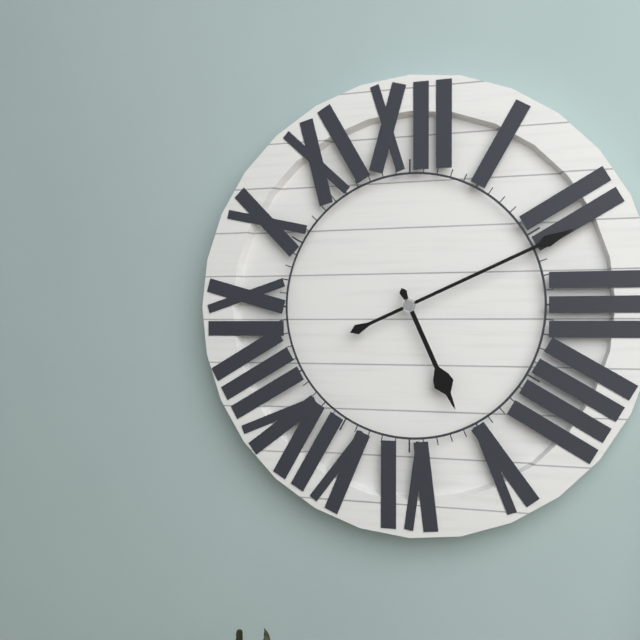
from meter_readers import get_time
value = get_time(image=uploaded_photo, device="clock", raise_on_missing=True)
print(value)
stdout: 5:11
